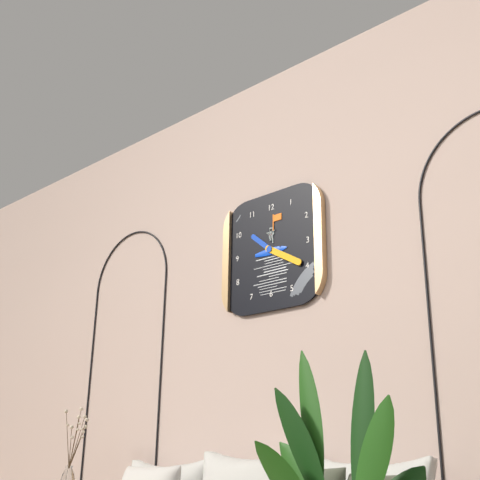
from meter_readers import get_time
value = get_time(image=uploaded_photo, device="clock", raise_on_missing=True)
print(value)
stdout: 10:20
